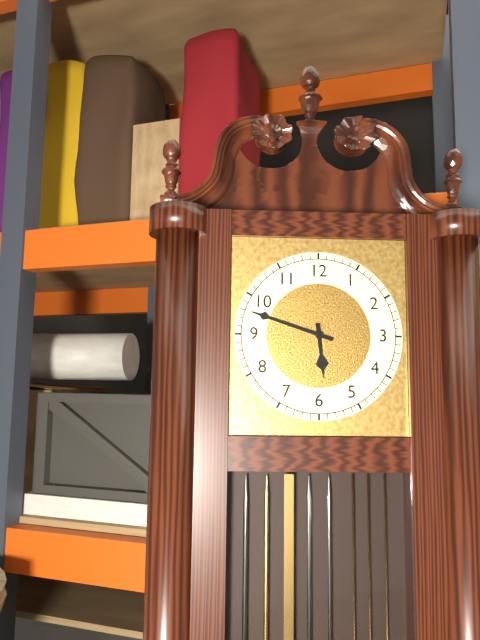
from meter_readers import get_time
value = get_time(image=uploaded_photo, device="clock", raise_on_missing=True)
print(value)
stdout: 5:48
